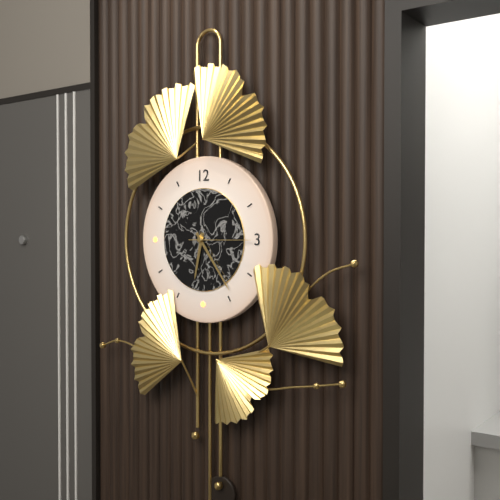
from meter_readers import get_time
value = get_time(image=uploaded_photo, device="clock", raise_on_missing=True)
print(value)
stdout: 6:24:15
